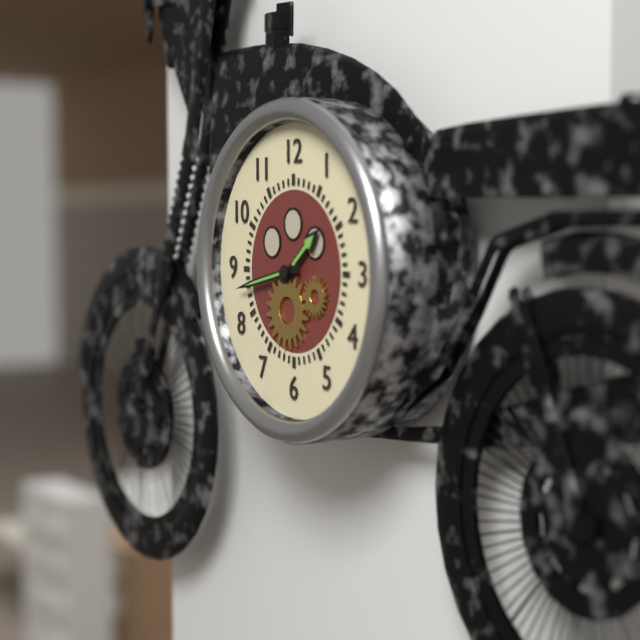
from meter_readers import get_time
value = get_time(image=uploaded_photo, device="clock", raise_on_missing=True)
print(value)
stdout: 1:43
